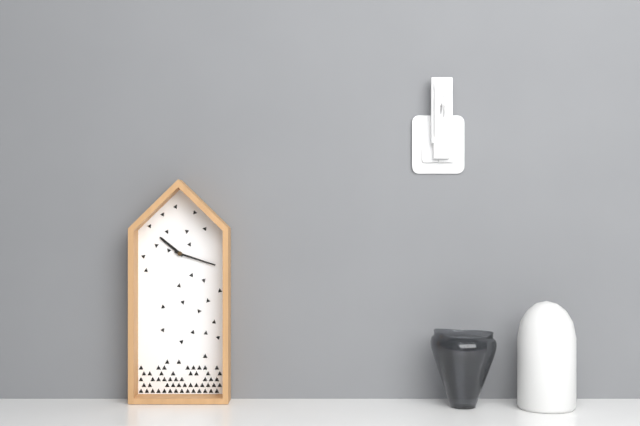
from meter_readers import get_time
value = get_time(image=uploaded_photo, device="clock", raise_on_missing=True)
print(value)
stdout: 10:18
